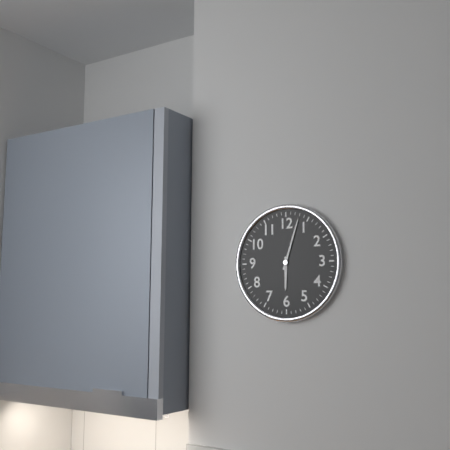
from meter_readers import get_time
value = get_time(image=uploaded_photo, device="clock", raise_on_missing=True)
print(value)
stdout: 6:03
